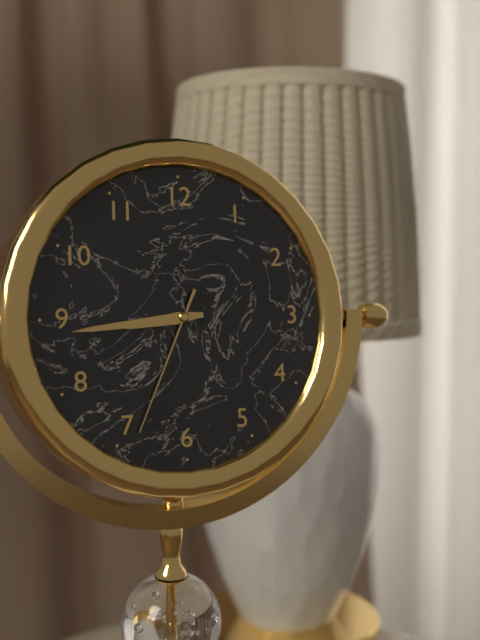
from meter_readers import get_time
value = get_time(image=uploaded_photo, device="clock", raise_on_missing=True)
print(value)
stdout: 8:44:34
